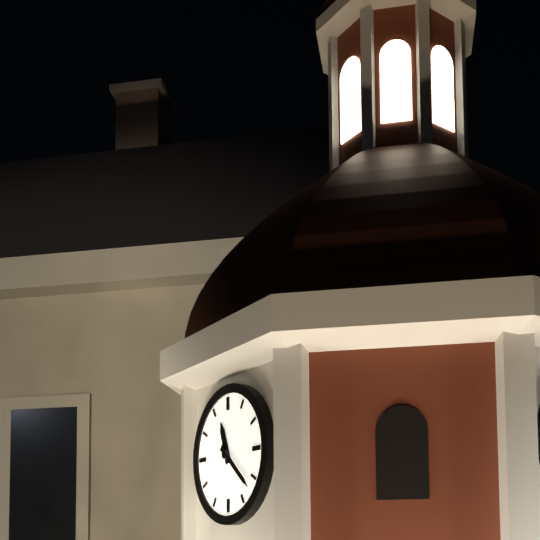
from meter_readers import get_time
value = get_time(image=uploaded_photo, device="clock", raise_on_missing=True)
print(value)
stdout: 11:22
